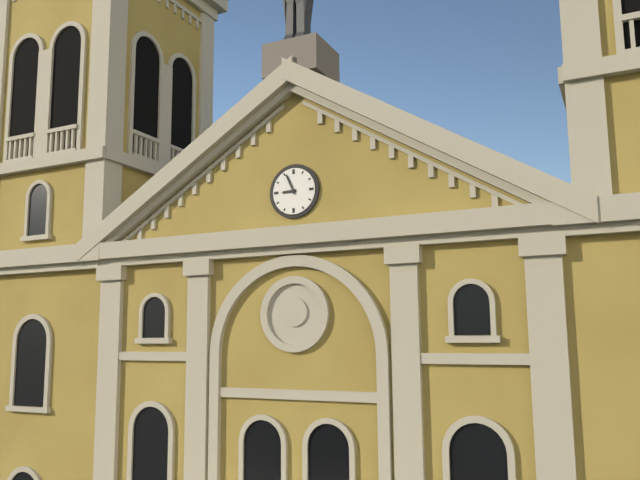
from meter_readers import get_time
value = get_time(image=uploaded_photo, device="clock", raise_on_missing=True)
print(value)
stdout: 8:56
